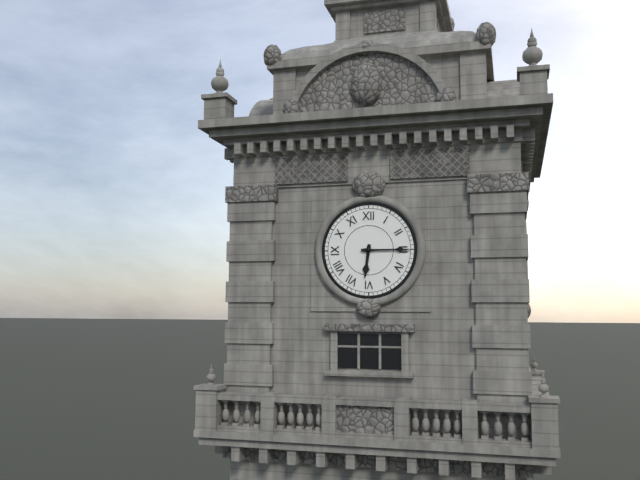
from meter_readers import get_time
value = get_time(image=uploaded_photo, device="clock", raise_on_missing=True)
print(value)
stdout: 6:15
